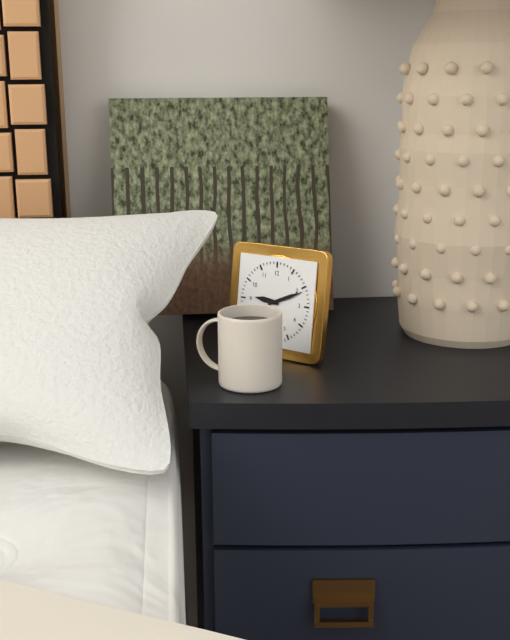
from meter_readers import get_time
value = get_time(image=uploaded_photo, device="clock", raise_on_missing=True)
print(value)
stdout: 9:11
